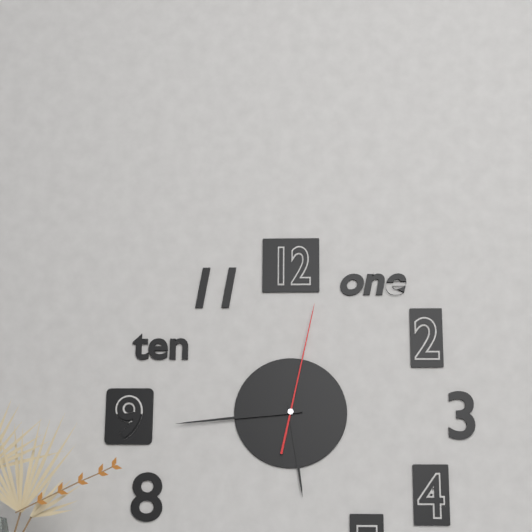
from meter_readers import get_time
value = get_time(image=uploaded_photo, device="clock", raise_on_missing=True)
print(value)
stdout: 5:44:02
